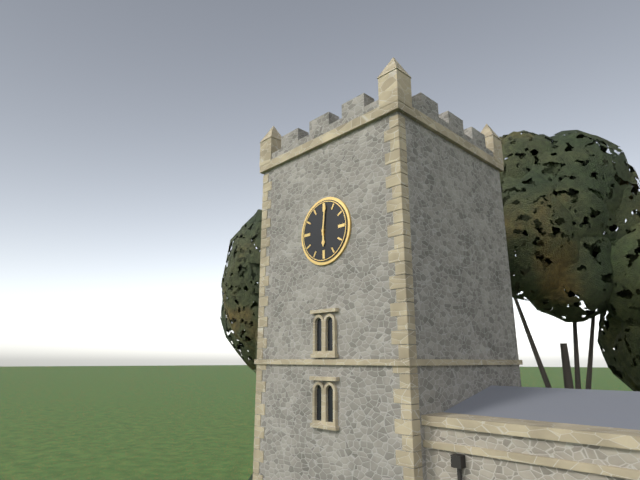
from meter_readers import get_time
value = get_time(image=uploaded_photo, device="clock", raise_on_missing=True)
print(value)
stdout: 6:01
